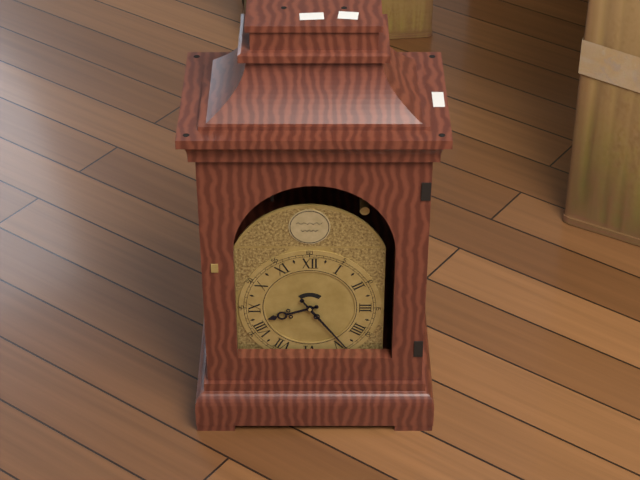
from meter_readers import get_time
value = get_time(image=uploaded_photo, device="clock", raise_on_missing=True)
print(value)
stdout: 8:24
